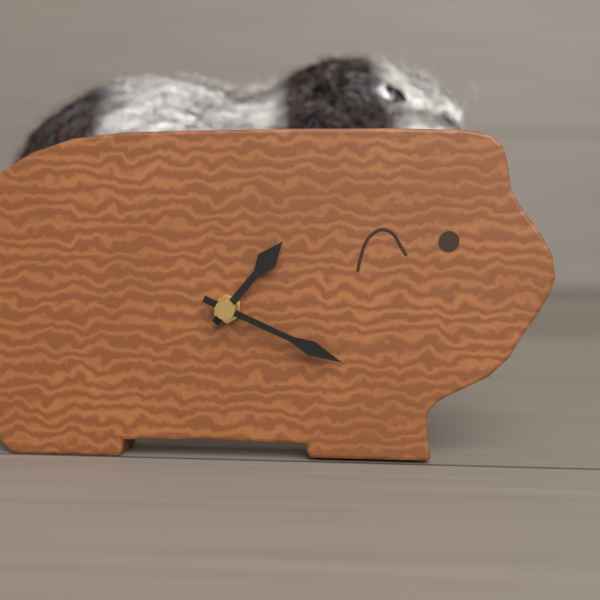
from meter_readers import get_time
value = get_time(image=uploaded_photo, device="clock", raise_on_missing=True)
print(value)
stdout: 1:19
